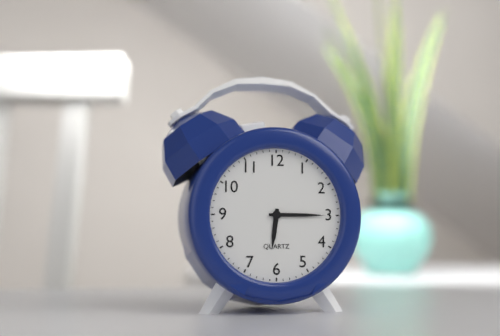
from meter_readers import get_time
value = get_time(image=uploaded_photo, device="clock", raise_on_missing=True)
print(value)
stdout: 6:15
